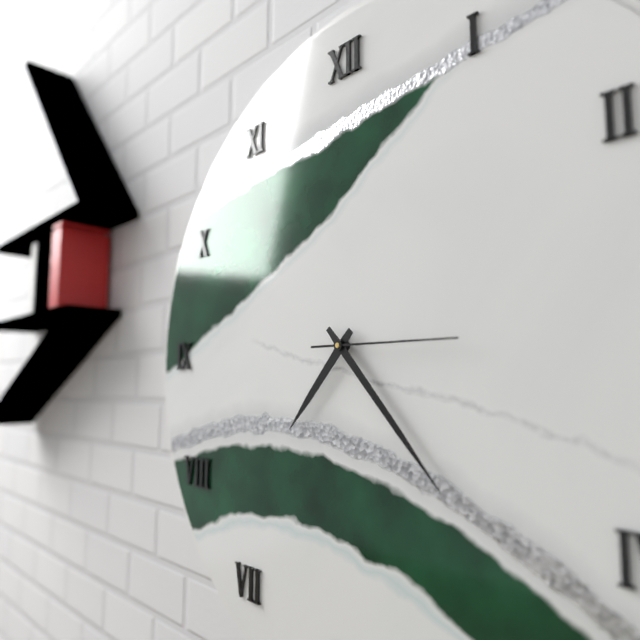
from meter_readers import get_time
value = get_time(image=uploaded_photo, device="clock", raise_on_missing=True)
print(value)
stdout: 7:23:15
